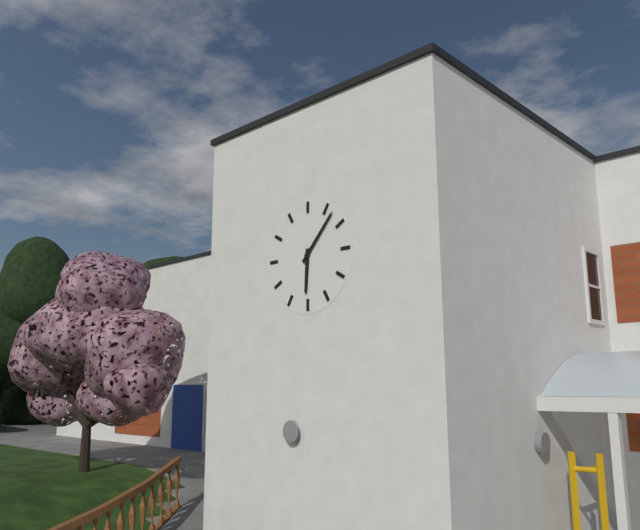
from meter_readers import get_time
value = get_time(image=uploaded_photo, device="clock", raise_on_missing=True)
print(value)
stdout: 6:07
